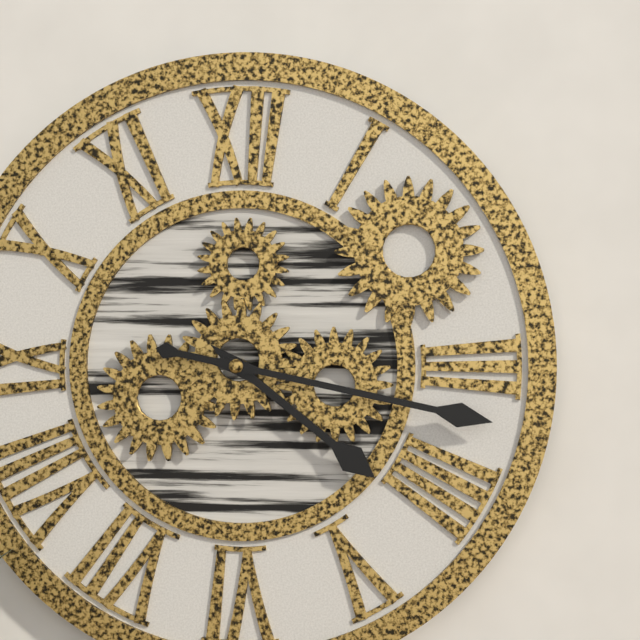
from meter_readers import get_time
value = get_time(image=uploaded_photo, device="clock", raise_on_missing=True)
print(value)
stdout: 4:17
